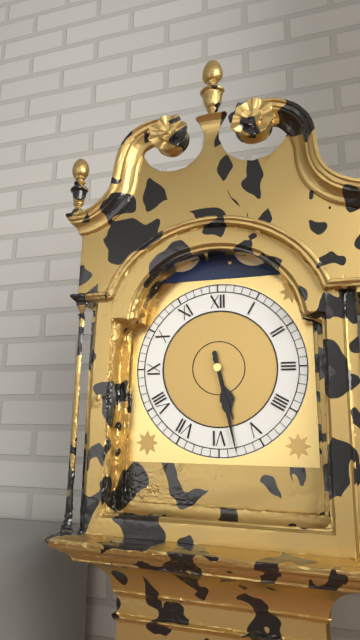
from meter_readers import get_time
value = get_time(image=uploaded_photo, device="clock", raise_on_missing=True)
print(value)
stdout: 5:28
